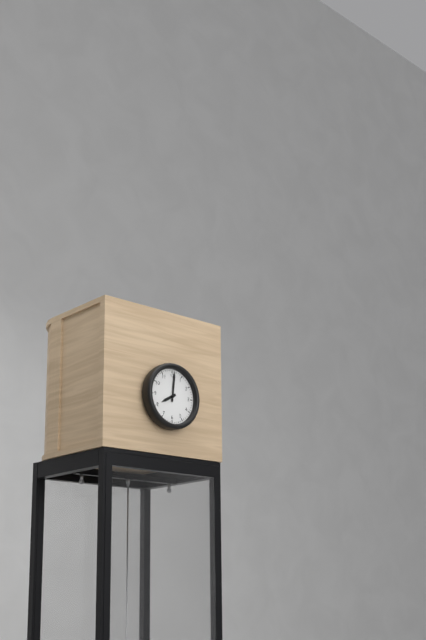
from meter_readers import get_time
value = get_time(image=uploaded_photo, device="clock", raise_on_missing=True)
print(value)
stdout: 8:01
